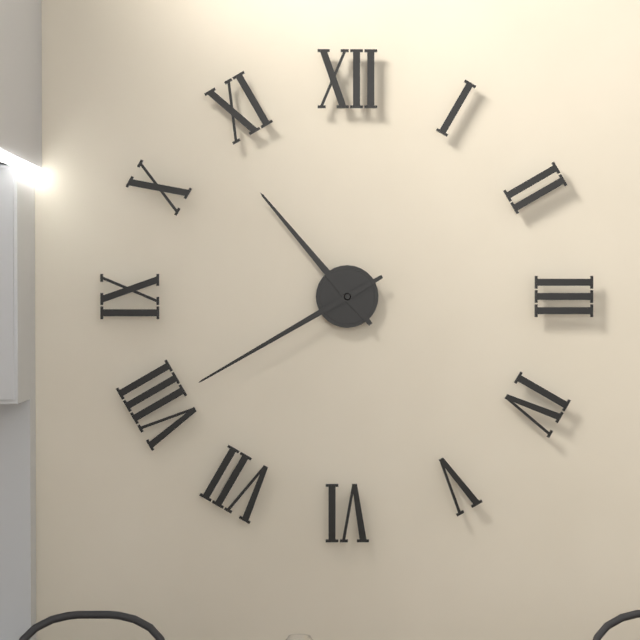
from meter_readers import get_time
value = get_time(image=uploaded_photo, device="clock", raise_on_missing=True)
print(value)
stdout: 10:40
